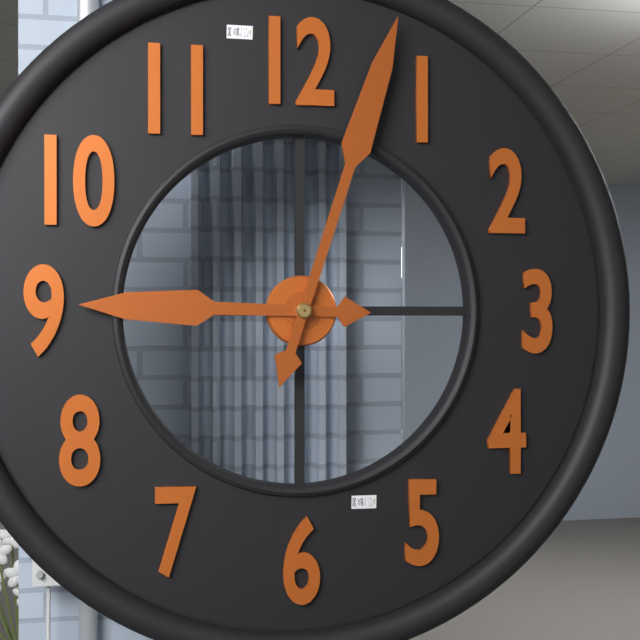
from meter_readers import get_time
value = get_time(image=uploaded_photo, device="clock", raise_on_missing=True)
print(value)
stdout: 9:03
